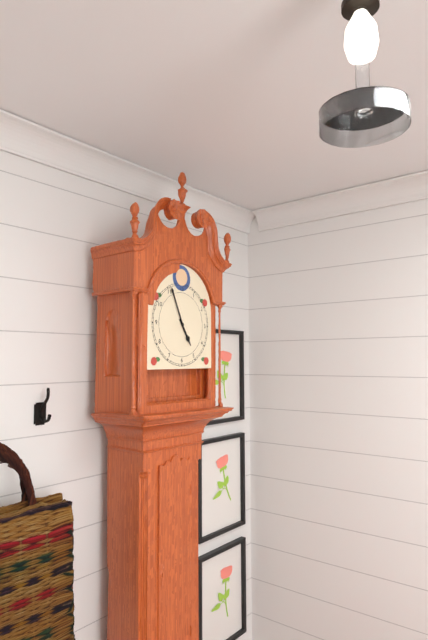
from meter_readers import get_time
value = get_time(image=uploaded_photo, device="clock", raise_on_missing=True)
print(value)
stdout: 4:56
